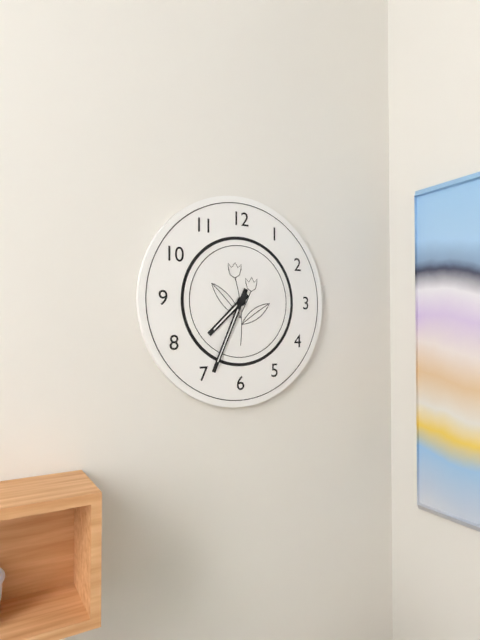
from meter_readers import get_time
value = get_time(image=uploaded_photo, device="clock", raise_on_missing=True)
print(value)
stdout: 7:34
